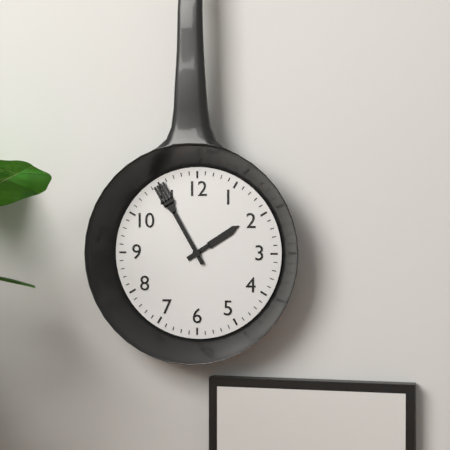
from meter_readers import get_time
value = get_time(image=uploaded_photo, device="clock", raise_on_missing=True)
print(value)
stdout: 1:55
